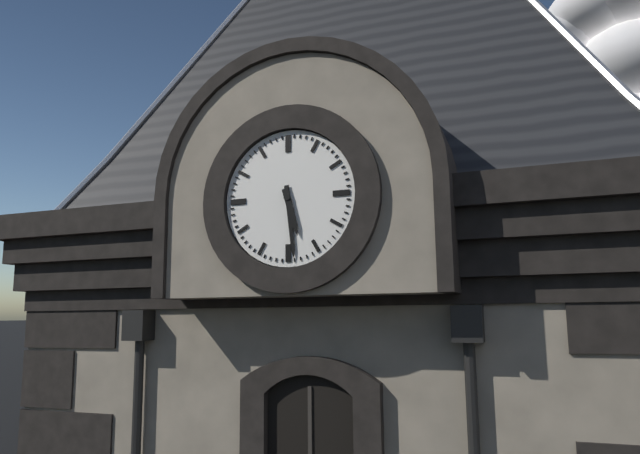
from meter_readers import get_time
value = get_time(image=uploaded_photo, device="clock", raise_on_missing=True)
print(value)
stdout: 5:29
